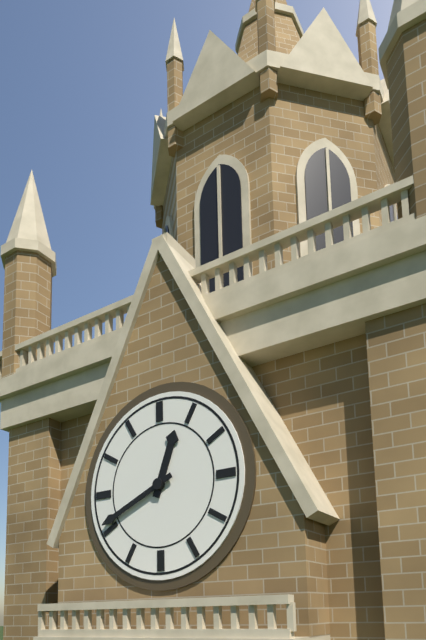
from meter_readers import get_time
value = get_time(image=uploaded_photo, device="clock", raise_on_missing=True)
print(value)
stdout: 12:41
